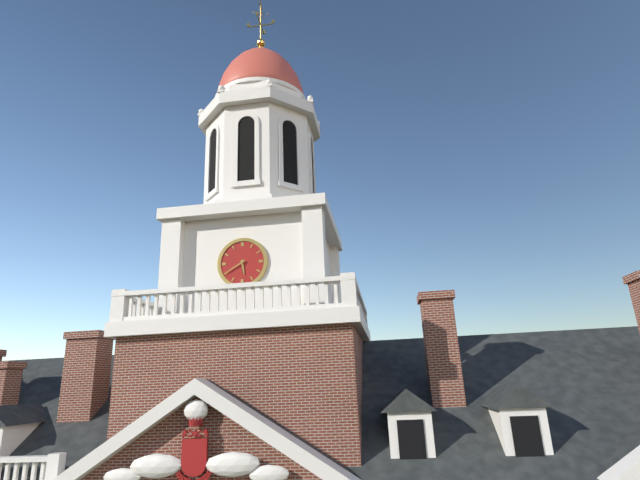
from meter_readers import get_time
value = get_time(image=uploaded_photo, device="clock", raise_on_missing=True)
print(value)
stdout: 5:40
